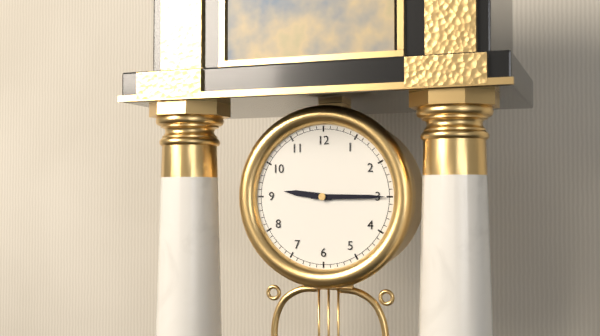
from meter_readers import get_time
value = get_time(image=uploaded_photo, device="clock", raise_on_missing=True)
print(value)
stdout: 9:15
